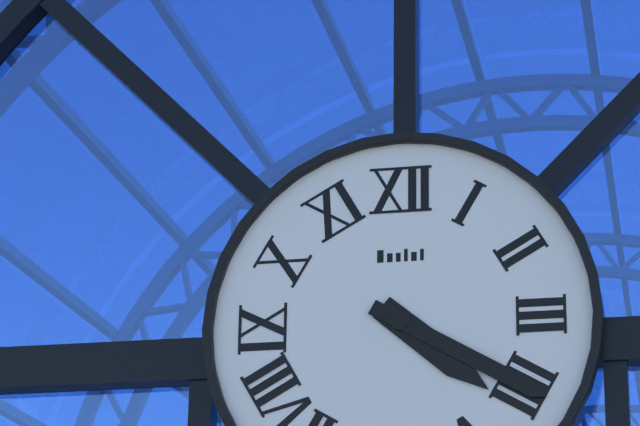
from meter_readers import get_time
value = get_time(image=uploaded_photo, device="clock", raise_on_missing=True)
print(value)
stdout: 4:20
